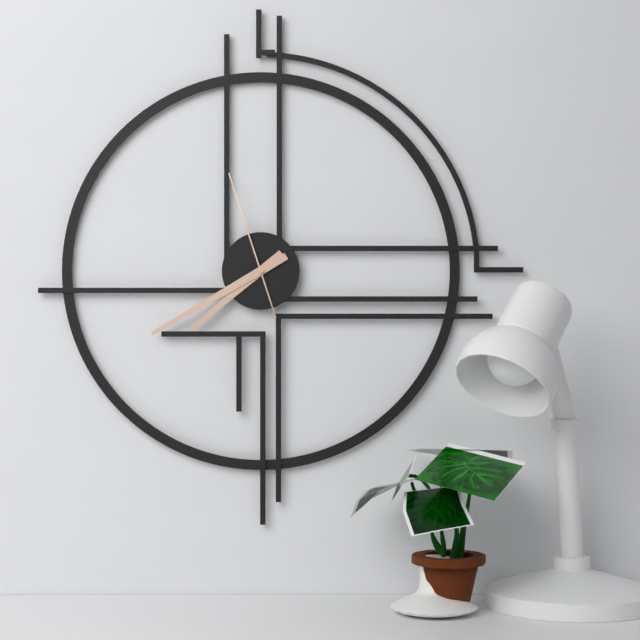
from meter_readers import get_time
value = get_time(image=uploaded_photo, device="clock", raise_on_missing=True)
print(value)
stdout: 7:40:57
